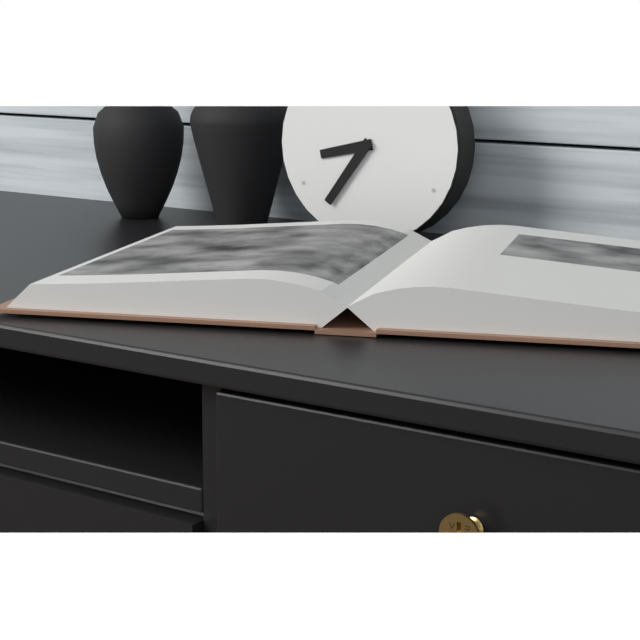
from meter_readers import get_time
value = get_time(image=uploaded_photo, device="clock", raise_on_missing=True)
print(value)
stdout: 8:36
